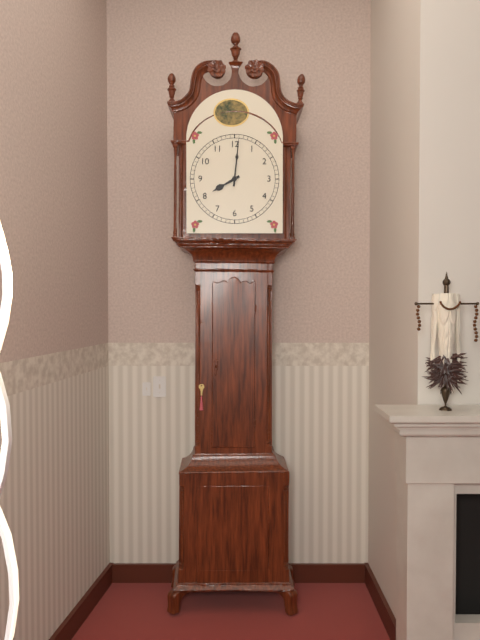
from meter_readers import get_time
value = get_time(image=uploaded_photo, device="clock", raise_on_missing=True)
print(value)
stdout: 8:01
